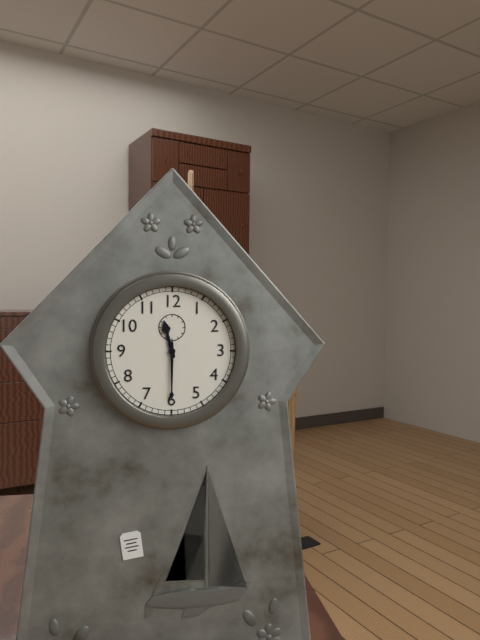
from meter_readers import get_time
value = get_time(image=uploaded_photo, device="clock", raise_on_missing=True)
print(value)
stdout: 11:30
